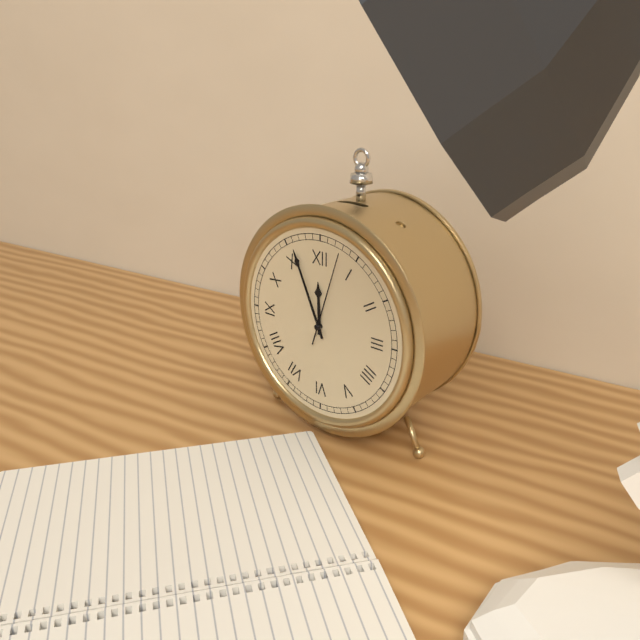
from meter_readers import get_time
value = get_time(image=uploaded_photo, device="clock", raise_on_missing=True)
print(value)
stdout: 11:56:03
